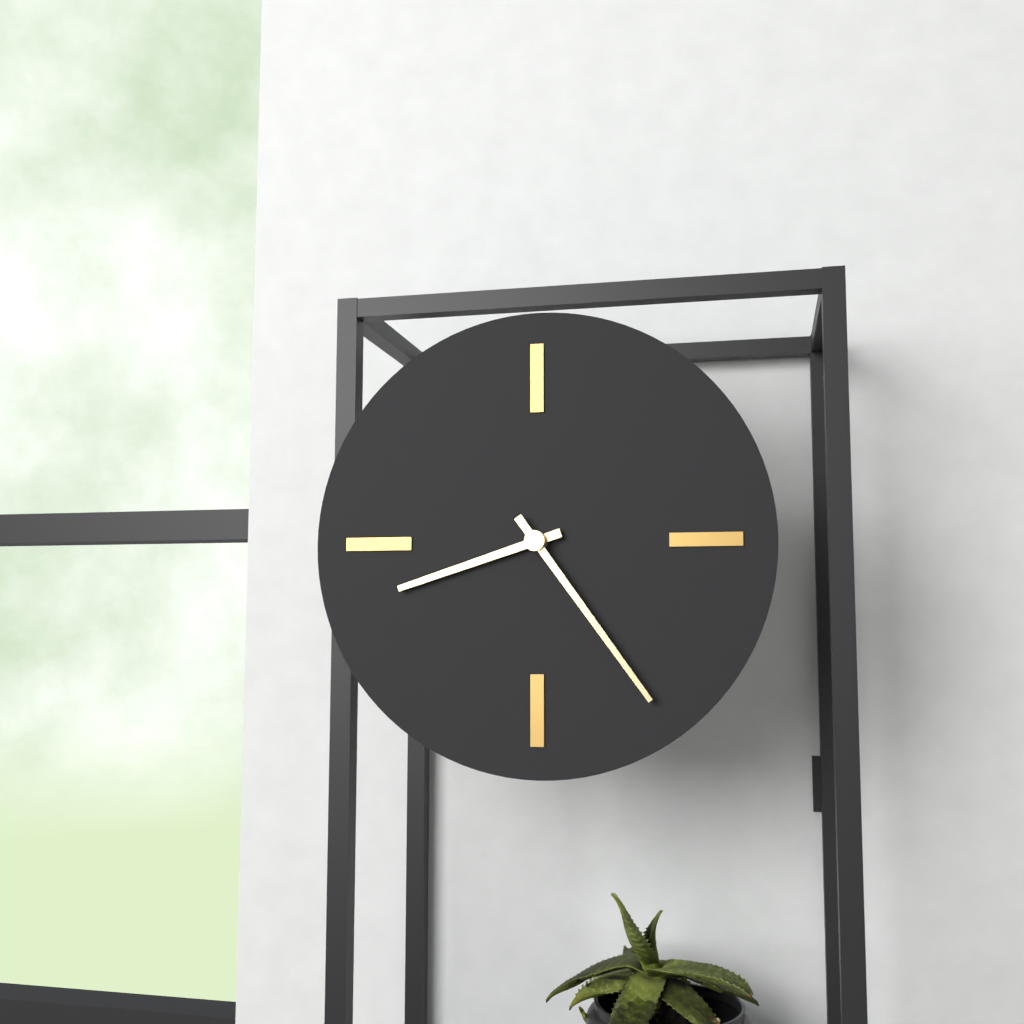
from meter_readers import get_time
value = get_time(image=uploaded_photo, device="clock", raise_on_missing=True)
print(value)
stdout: 8:24
